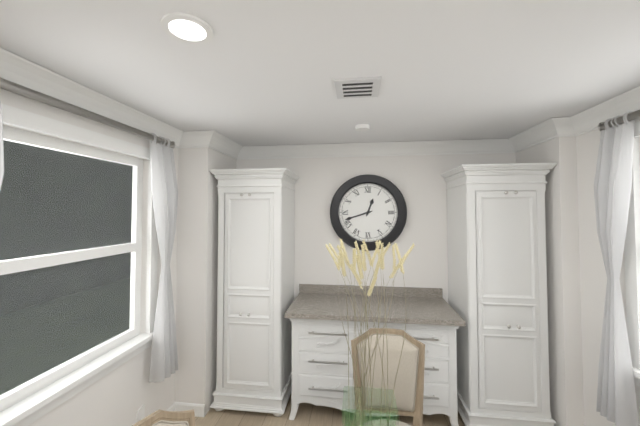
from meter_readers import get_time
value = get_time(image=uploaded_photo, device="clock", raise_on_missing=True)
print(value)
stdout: 12:42
